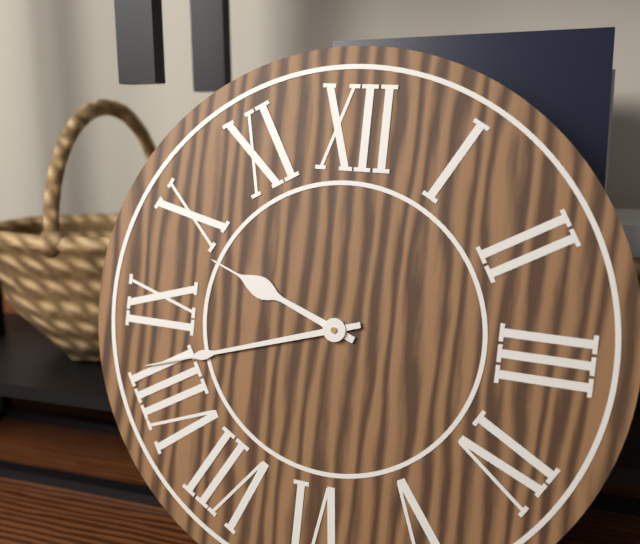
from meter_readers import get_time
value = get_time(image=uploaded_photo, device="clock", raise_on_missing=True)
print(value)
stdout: 9:42
